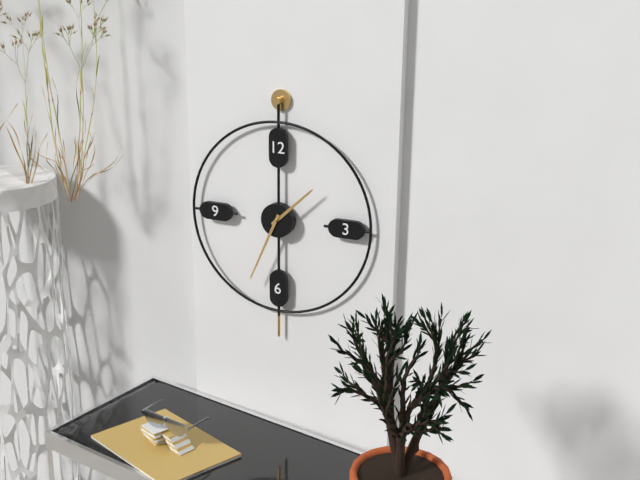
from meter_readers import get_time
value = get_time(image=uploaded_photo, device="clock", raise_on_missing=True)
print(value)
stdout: 1:34
